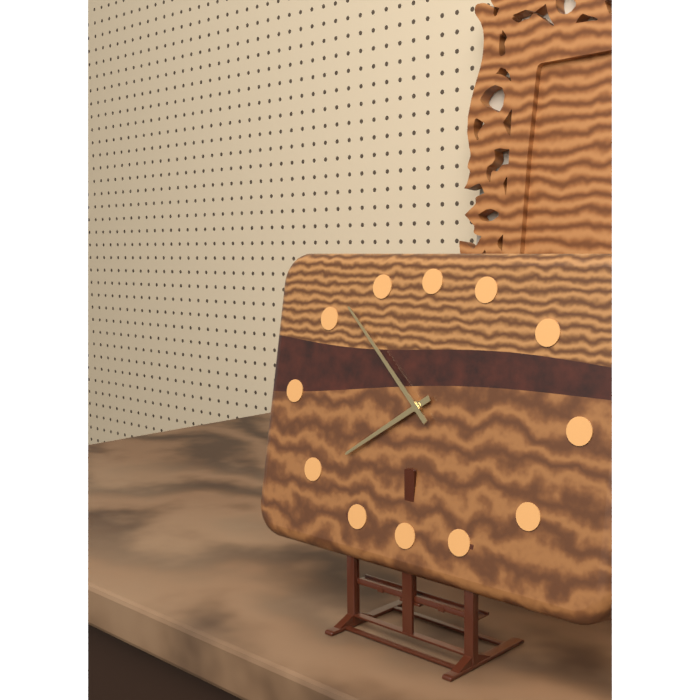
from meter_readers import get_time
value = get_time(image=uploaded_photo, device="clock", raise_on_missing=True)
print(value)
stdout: 7:52
